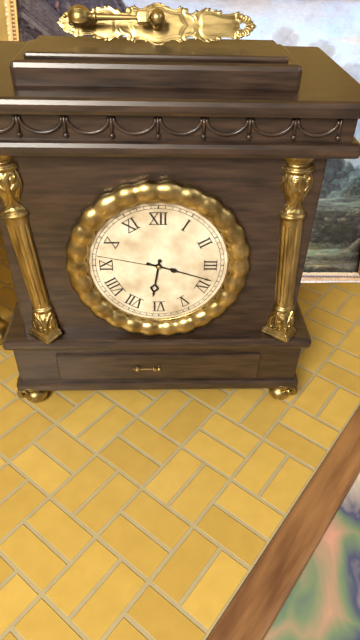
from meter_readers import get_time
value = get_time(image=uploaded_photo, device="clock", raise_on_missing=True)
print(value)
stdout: 6:18:47
